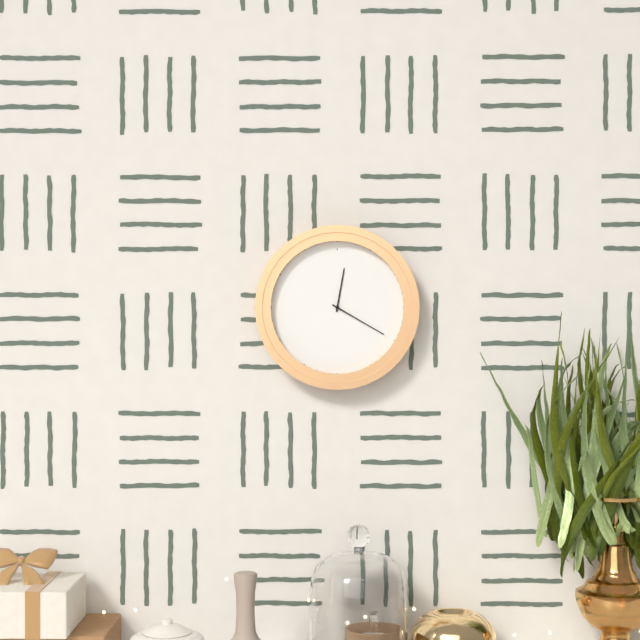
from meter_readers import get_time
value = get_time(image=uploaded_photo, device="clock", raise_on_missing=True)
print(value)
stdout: 12:20
